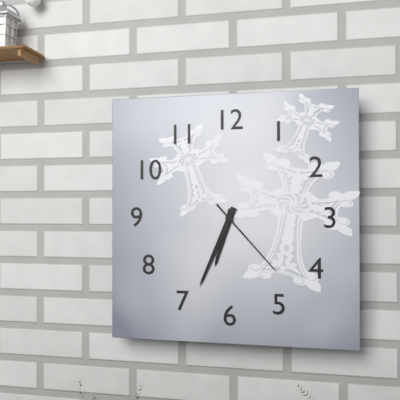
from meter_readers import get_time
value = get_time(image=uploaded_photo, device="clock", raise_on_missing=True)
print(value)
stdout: 6:34:23
